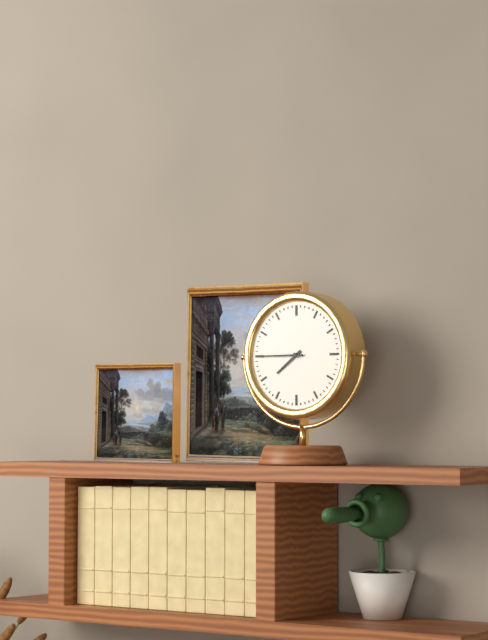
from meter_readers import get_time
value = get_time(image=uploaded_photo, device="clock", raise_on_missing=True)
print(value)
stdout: 7:45
